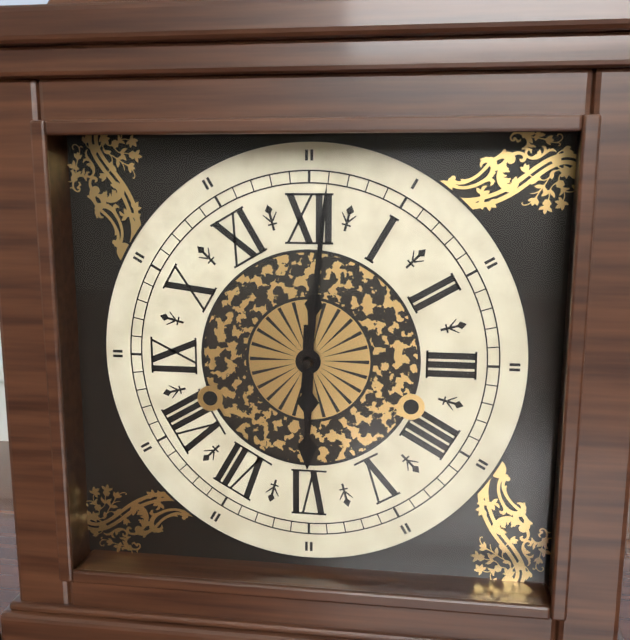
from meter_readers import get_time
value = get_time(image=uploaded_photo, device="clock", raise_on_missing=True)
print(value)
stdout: 6:01
